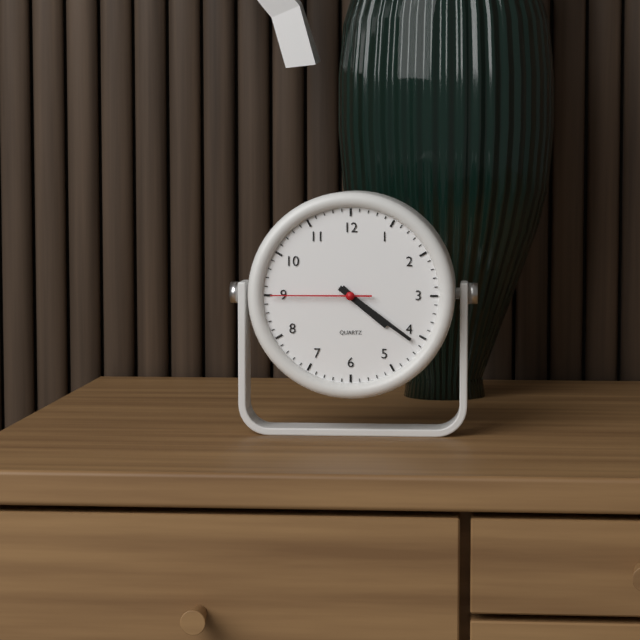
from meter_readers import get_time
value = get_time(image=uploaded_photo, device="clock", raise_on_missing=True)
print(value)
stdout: 4:21:45
